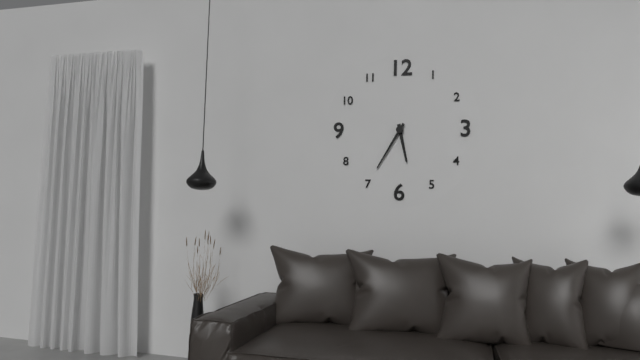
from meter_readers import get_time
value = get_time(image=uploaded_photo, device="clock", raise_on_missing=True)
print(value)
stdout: 5:35
